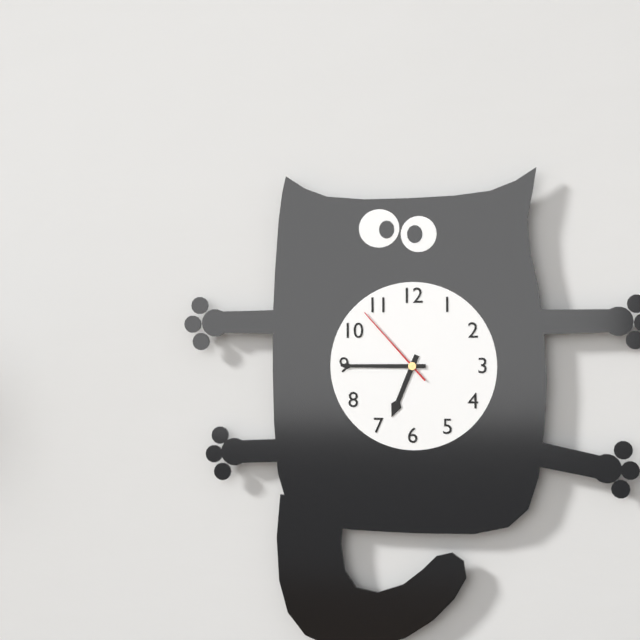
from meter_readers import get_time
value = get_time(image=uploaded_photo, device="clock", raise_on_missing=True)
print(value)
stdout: 6:45:53
